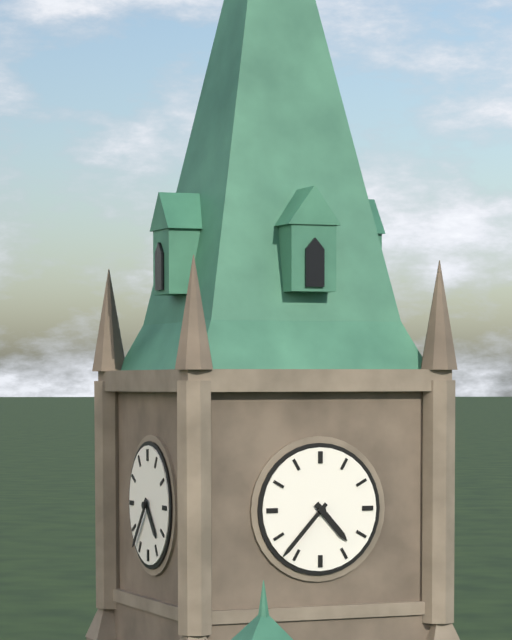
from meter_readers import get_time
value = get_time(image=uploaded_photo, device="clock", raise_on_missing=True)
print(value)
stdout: 4:37
